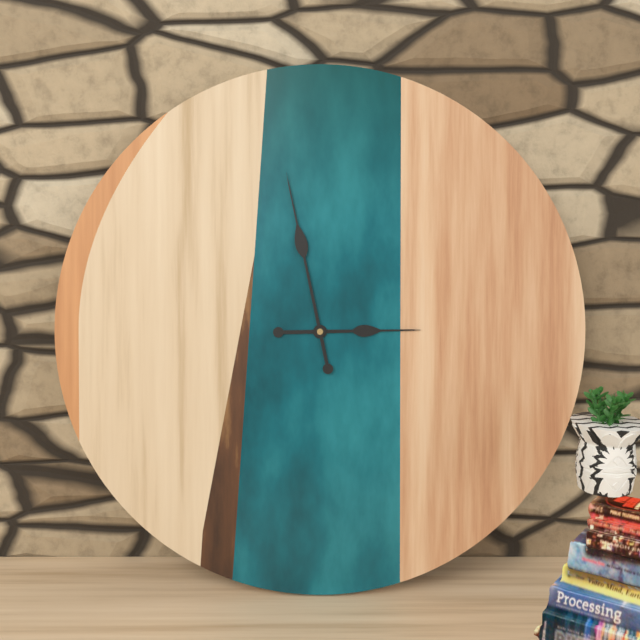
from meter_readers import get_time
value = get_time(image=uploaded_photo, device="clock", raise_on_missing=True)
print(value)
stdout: 2:58
